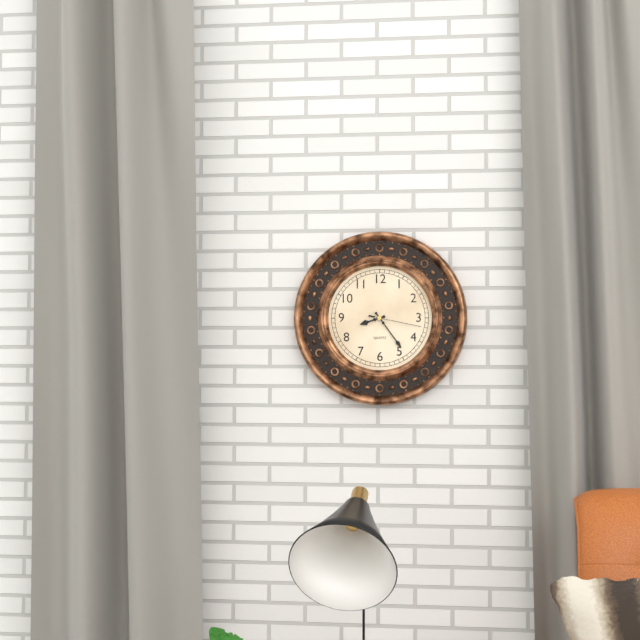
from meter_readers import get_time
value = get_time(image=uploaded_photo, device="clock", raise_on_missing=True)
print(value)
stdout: 8:24:17
